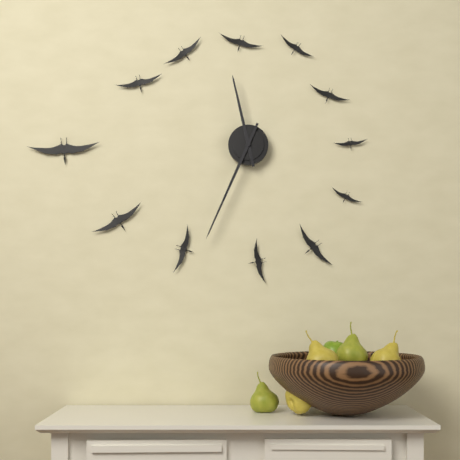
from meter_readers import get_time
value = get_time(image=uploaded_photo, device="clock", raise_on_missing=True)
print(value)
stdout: 11:34
